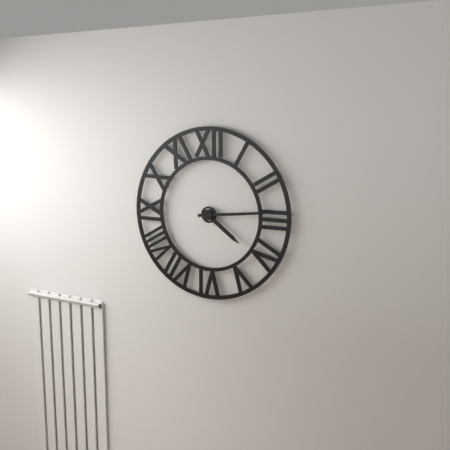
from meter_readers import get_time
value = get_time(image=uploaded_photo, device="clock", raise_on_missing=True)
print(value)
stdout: 4:14
